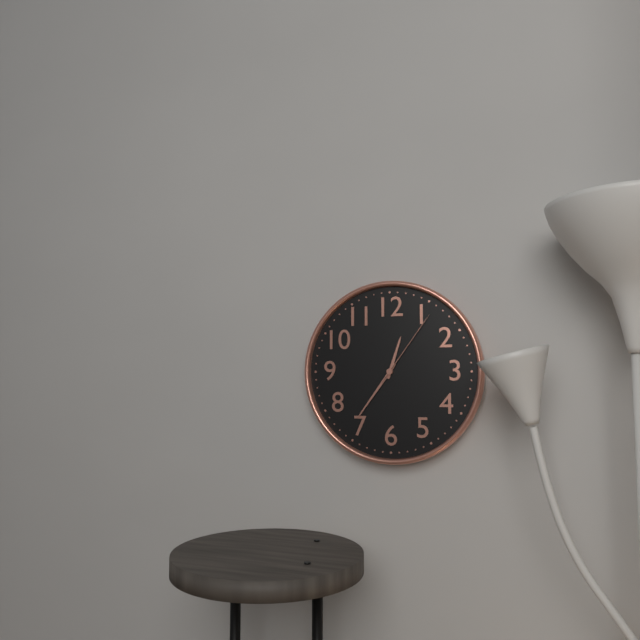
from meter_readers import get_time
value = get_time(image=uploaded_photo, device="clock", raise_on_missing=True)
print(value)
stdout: 12:36:06
